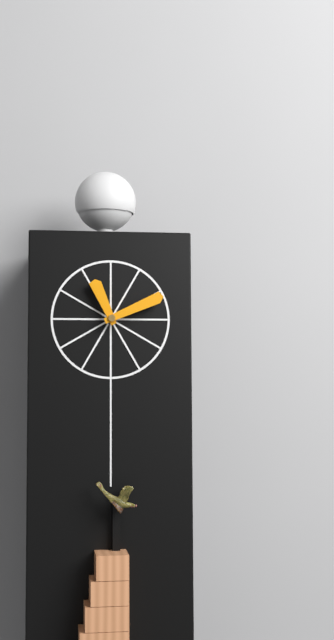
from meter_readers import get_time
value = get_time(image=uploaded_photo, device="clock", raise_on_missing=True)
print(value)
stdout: 11:11
